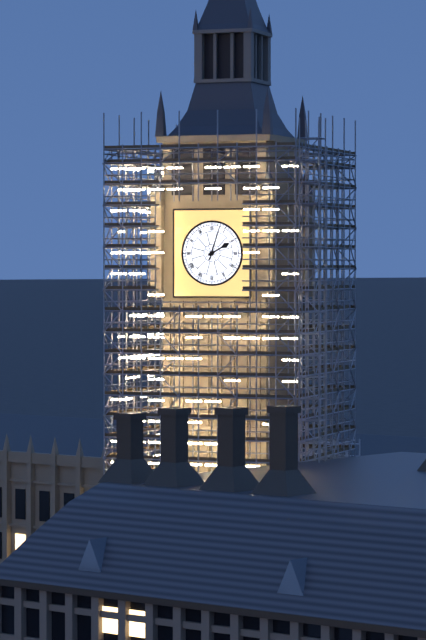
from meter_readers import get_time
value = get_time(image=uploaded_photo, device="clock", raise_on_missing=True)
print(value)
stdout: 2:03
